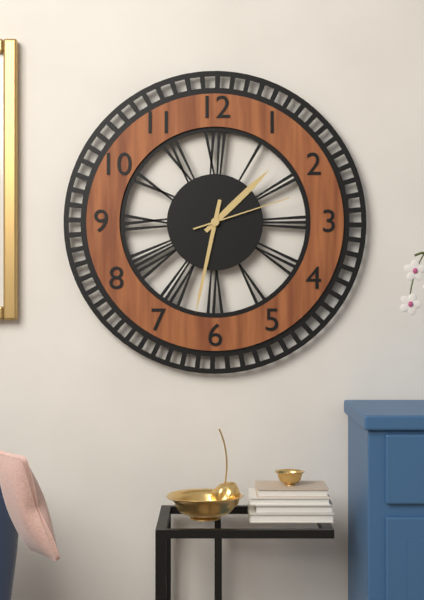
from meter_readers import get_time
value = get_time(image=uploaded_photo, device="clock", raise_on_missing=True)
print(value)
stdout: 1:32:12
